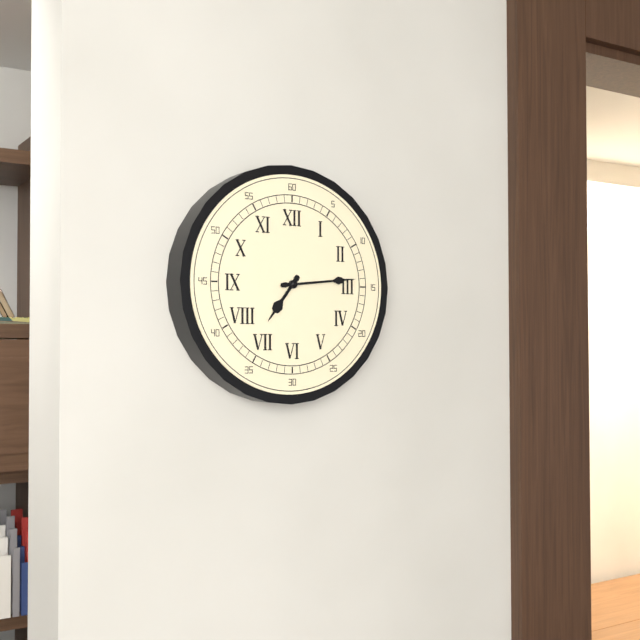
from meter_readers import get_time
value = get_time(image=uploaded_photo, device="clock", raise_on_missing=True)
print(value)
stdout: 7:14
